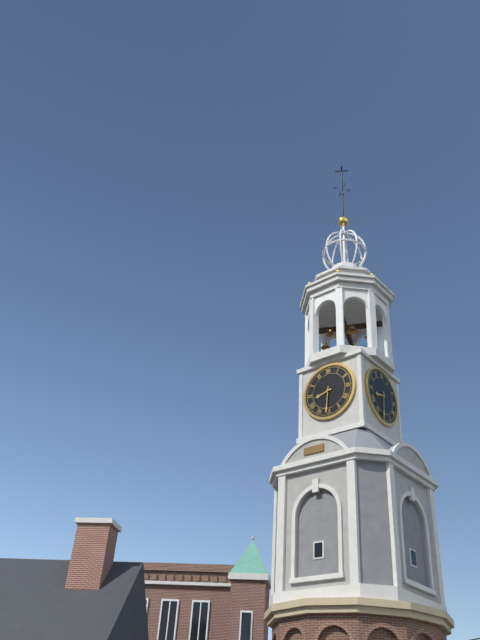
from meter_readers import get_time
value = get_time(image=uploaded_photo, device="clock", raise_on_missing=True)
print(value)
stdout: 8:31
